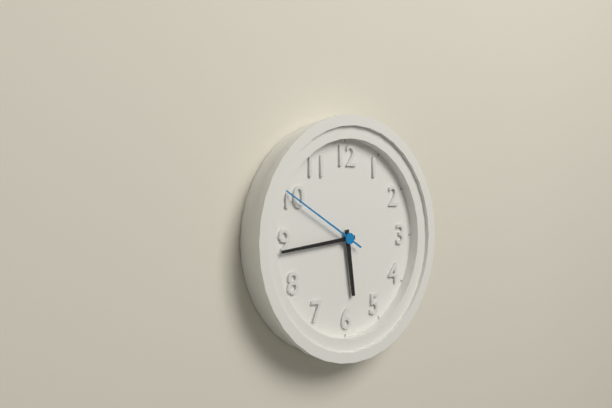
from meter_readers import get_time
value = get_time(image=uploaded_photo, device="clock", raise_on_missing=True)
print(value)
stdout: 5:44:50
